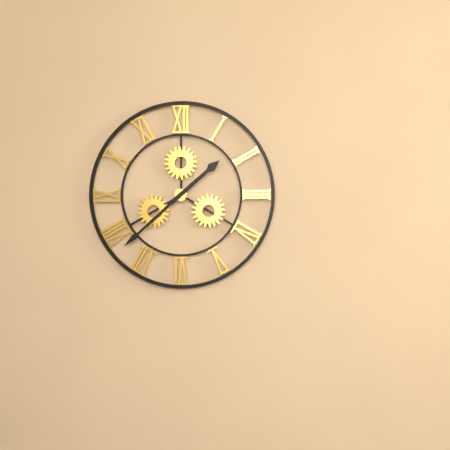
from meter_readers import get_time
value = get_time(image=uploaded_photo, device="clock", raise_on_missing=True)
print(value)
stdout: 1:38
